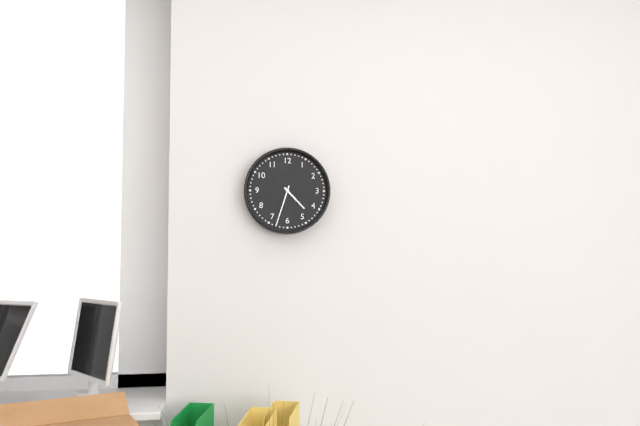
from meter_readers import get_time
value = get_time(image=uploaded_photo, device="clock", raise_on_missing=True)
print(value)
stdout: 4:33
